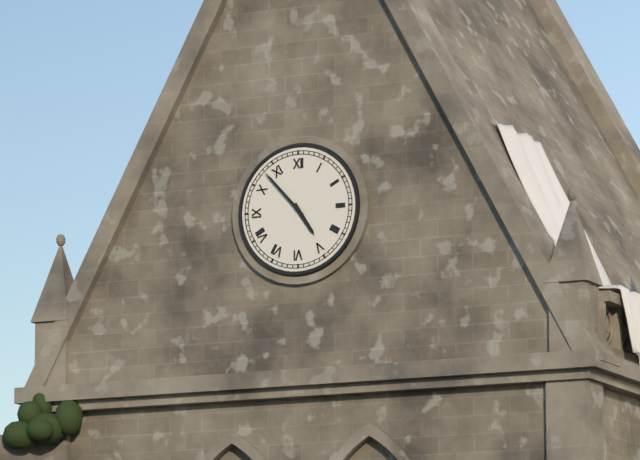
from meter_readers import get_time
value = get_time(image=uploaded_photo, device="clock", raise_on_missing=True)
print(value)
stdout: 4:53
